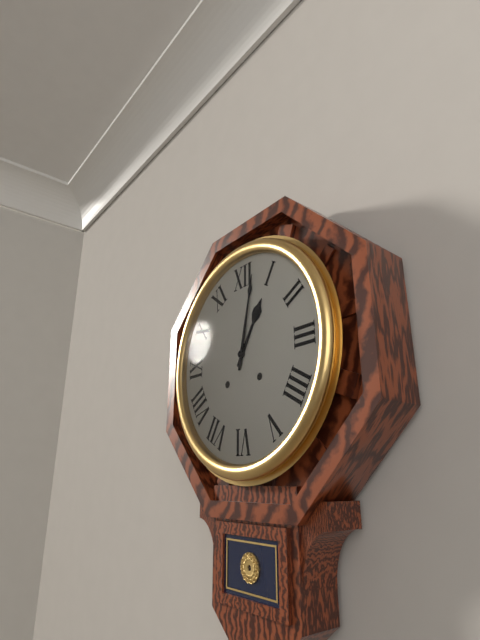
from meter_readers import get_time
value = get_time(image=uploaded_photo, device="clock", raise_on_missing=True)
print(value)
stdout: 1:02
